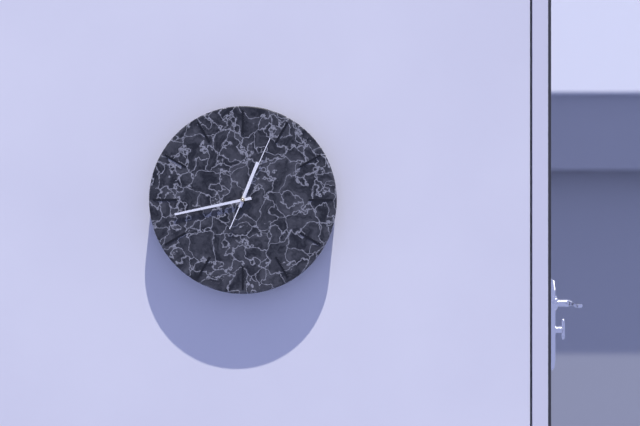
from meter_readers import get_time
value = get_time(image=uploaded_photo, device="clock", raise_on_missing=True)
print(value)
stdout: 12:43:04
